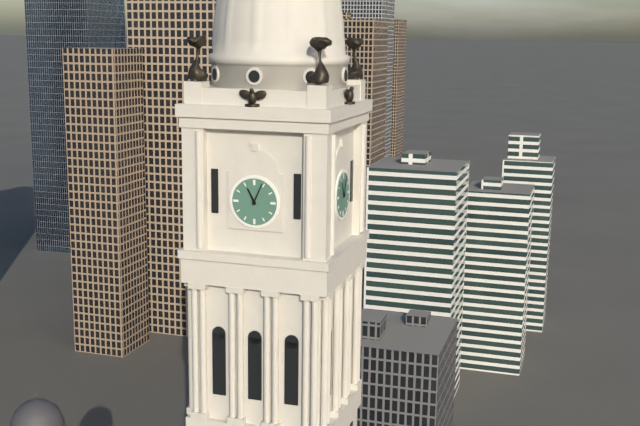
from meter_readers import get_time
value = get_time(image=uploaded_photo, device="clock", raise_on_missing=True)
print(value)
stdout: 11:04
